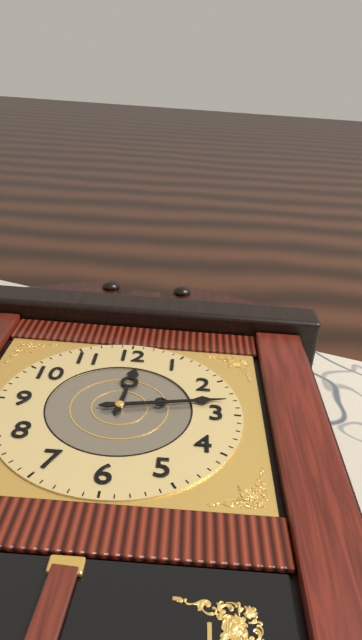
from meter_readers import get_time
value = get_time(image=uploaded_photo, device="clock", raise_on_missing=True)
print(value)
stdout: 12:13
